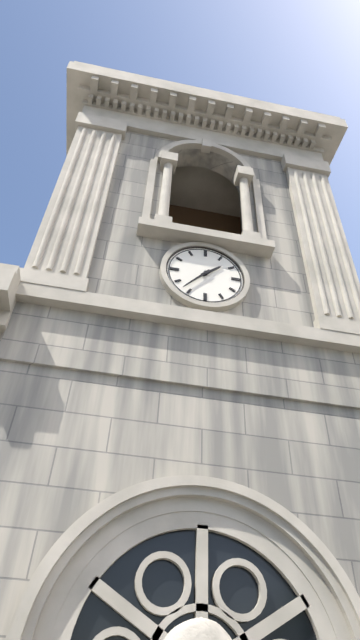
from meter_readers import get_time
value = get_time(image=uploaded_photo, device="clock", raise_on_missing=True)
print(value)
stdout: 1:37
